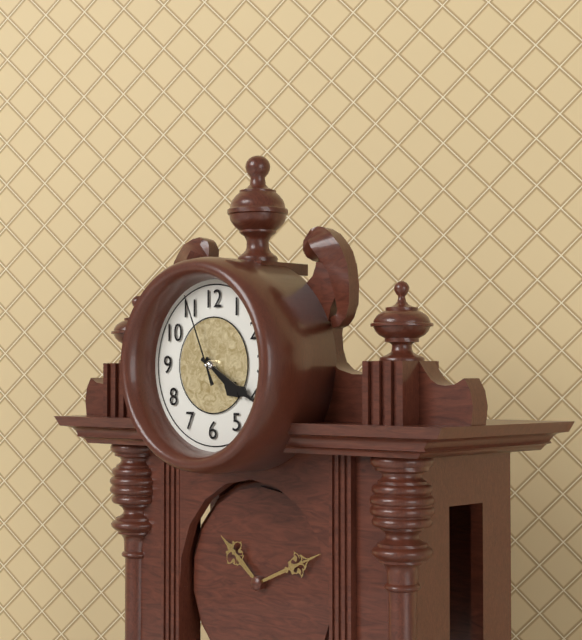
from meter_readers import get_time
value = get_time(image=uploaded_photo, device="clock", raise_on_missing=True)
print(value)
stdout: 4:20:56
